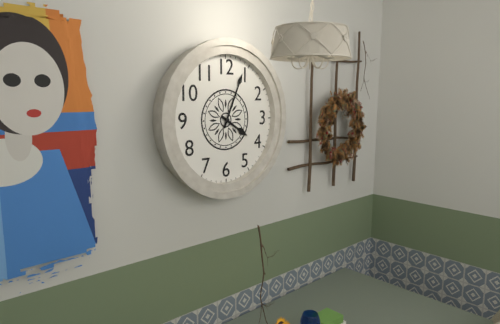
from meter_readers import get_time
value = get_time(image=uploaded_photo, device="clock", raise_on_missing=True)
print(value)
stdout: 4:04
